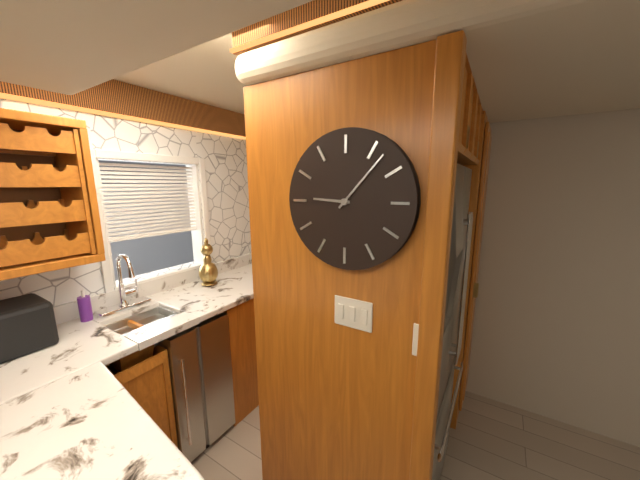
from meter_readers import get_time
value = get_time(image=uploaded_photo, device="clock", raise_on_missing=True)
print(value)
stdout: 9:07
